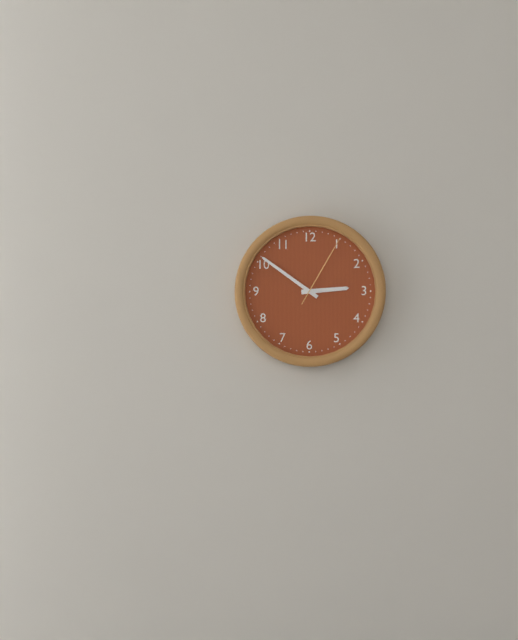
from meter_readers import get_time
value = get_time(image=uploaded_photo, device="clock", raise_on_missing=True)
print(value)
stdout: 2:51:05
